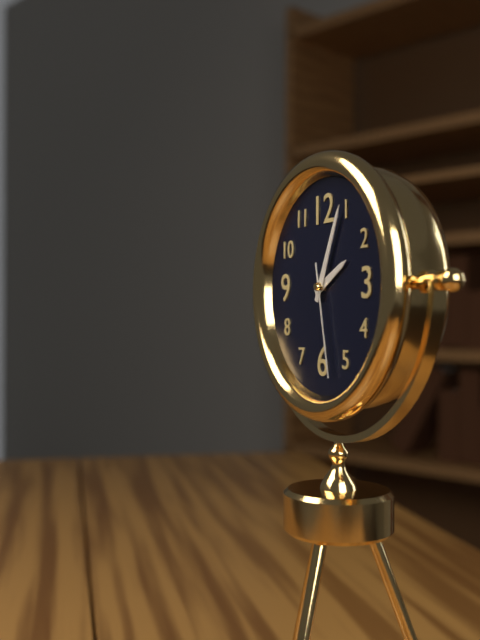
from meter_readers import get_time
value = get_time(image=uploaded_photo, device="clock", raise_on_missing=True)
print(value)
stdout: 2:04:28
